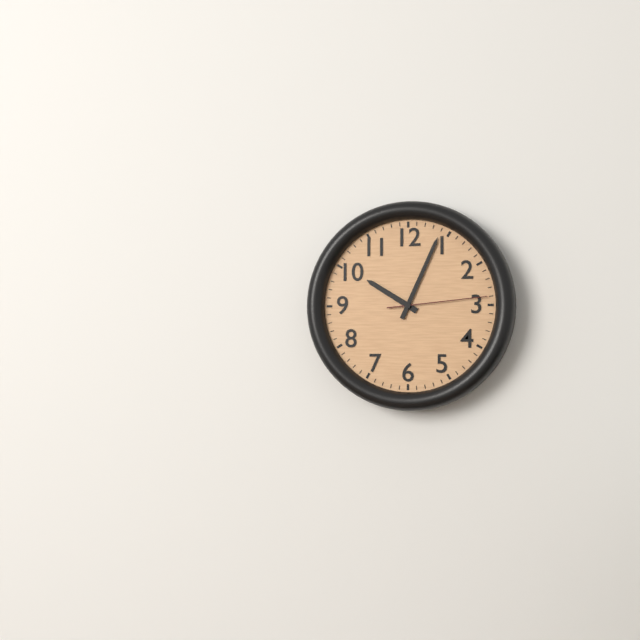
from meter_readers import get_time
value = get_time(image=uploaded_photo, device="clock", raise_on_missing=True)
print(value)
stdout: 10:04:14
